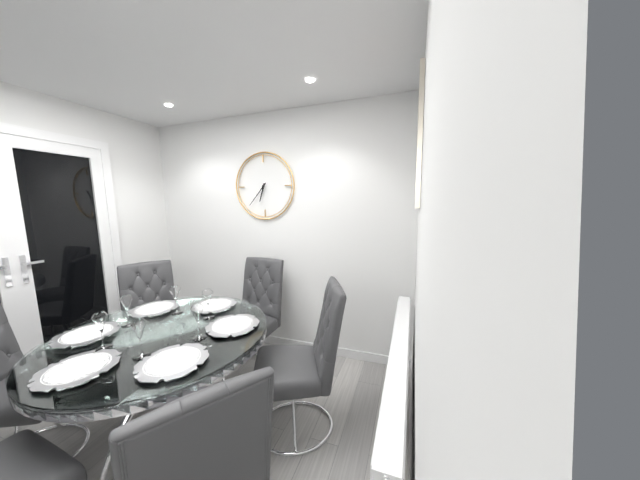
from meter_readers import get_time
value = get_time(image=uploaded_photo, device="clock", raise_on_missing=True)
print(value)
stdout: 6:37
